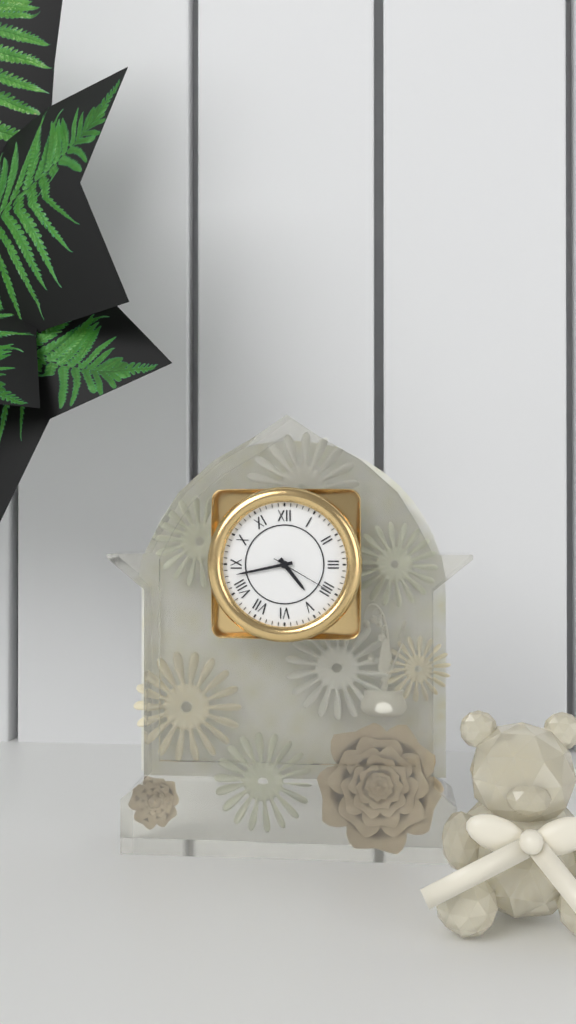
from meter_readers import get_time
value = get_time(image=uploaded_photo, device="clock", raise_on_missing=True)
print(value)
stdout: 4:43:20
